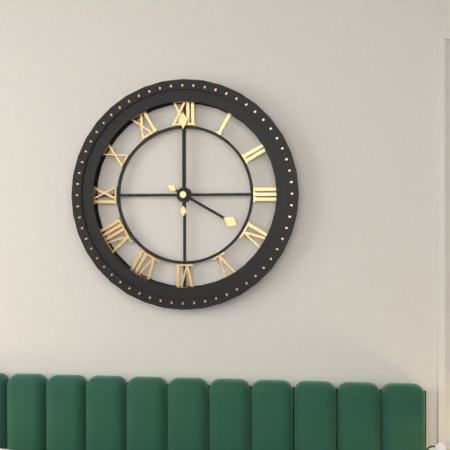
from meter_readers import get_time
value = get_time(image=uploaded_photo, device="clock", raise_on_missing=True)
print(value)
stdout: 4:00
